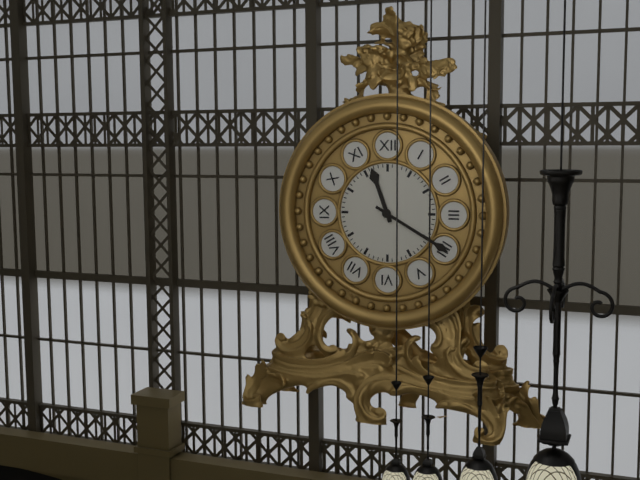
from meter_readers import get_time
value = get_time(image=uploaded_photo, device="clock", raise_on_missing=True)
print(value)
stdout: 11:20
